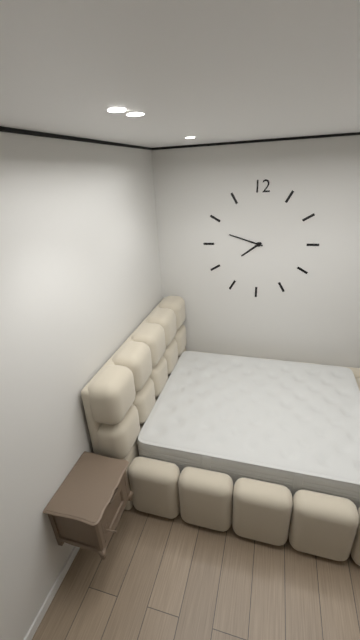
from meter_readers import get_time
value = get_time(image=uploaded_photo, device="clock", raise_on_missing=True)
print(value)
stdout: 7:48
